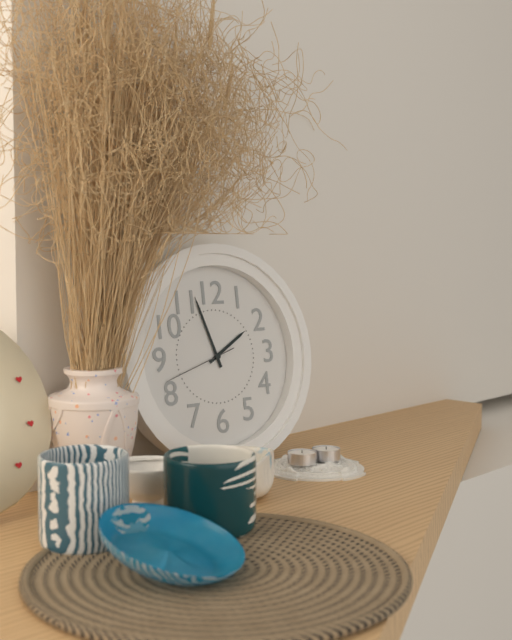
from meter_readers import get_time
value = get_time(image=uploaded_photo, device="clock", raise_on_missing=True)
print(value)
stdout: 1:57:42
